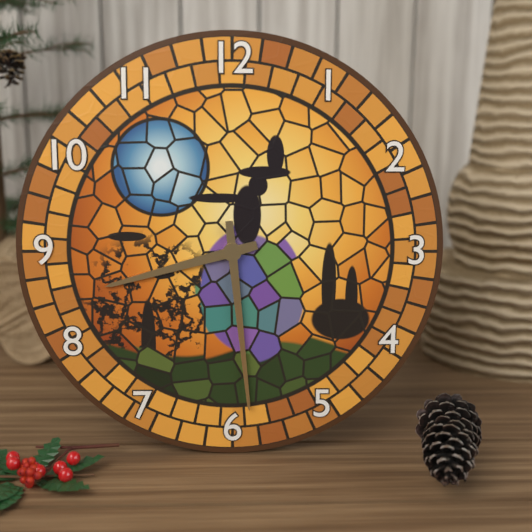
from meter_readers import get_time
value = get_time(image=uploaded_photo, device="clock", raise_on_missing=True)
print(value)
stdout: 8:29
